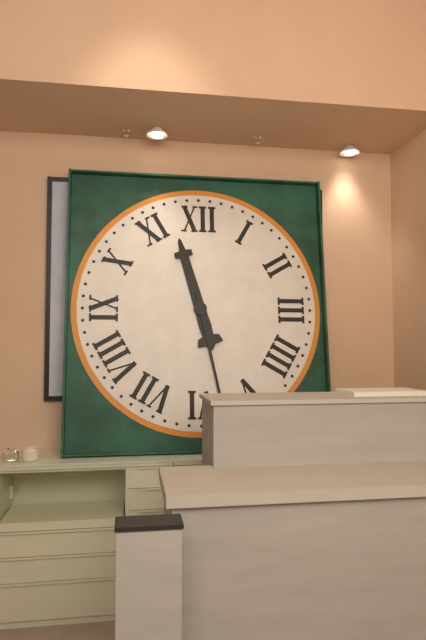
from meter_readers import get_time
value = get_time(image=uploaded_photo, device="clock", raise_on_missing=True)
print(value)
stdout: 11:28
